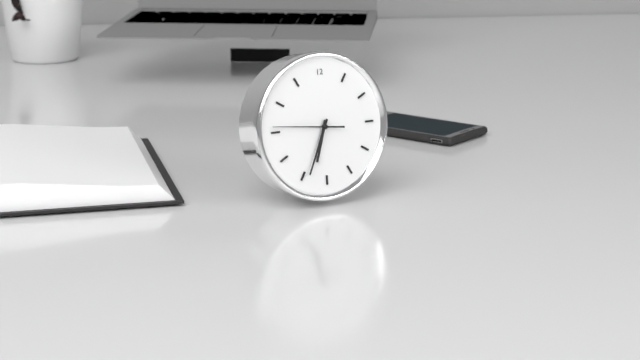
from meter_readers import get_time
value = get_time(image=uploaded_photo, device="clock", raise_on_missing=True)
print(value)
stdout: 6:34:46
